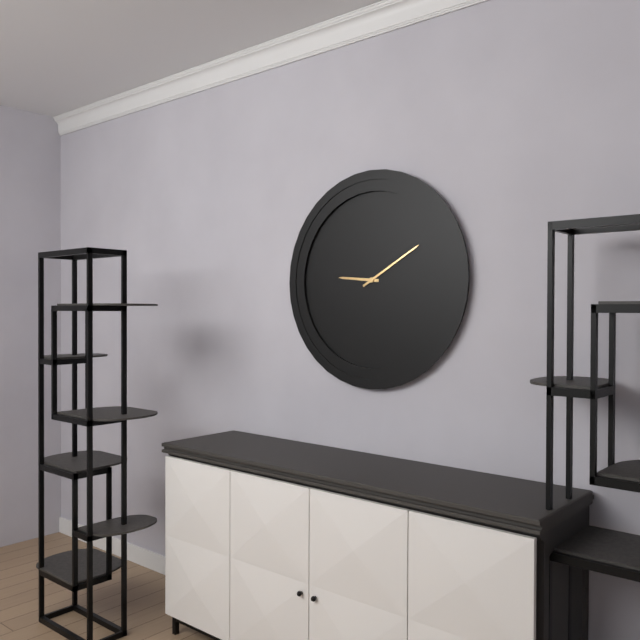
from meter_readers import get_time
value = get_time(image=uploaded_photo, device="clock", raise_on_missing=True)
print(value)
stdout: 9:10
